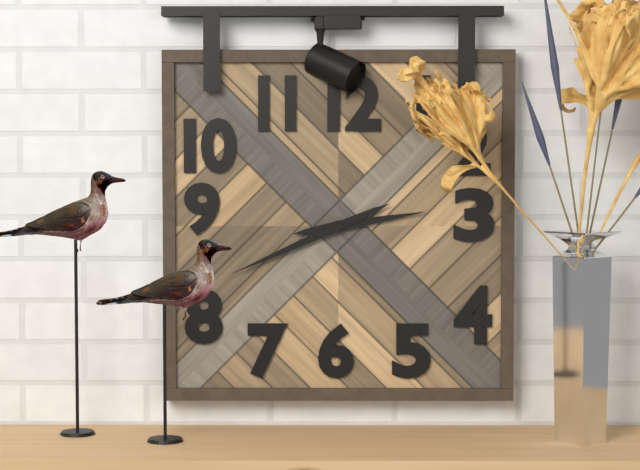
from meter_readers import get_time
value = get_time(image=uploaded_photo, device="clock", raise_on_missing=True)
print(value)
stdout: 2:41
